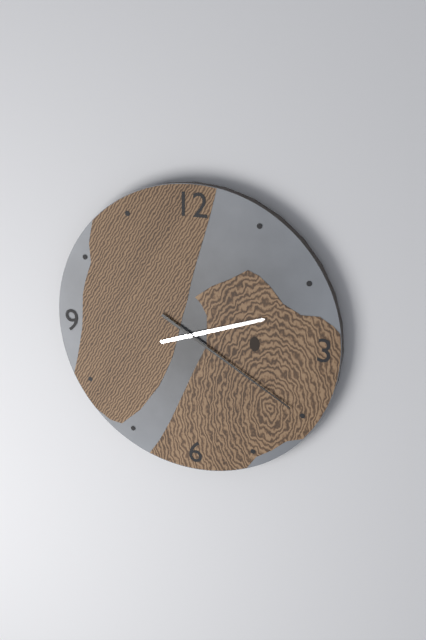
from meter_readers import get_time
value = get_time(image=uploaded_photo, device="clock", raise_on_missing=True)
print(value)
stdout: 2:20
